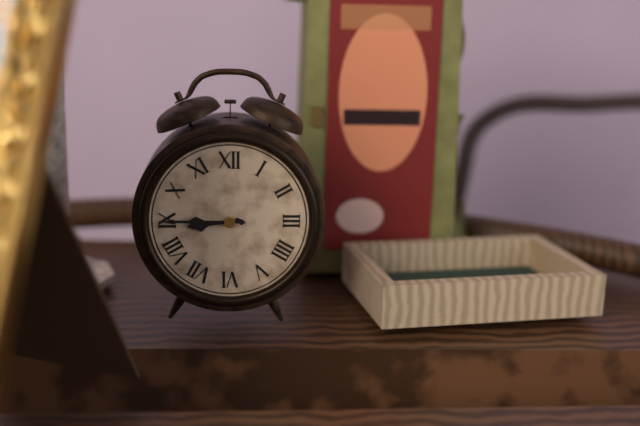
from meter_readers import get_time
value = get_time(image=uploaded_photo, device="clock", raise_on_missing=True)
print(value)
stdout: 8:45
